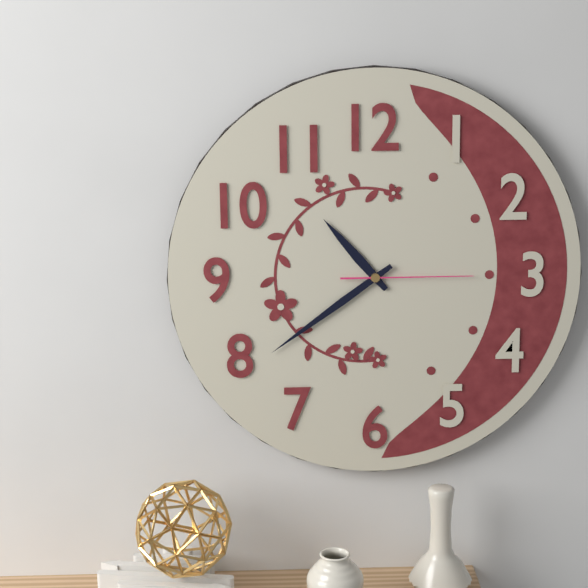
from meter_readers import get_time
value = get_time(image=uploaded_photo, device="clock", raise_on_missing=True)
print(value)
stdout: 10:39:15
